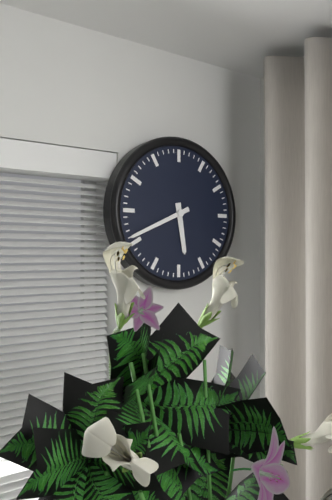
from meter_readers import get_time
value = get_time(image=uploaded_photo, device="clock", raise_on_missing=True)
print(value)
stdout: 5:41
